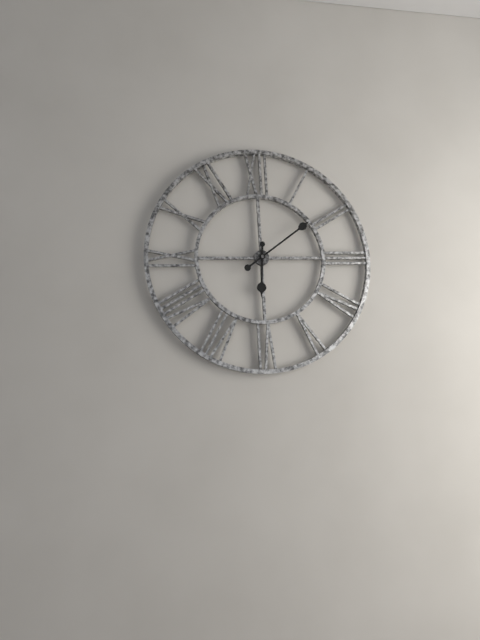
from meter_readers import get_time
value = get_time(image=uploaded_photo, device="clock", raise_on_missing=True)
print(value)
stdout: 6:09
